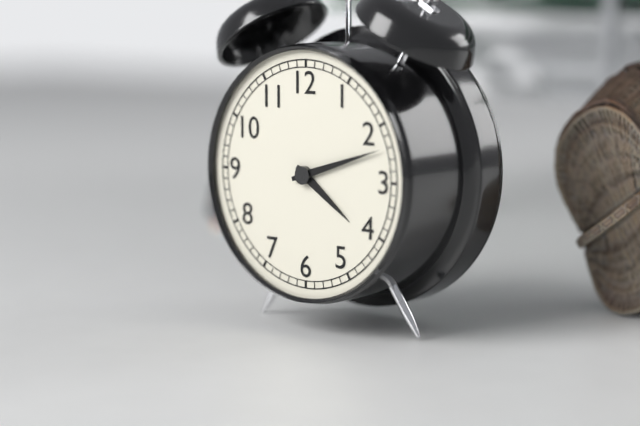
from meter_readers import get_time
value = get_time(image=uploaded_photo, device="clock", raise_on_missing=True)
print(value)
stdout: 4:12
